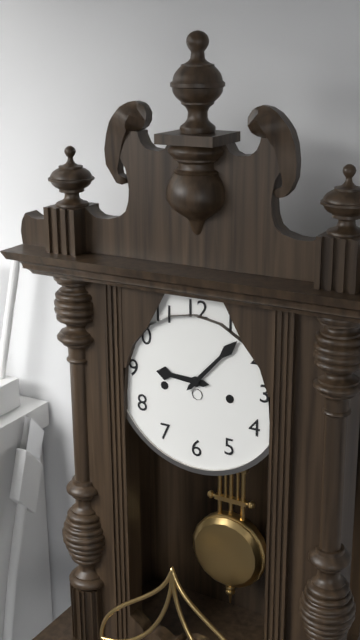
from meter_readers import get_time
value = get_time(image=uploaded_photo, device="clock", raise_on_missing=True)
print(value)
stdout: 9:07
